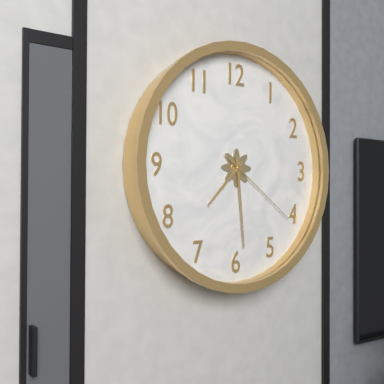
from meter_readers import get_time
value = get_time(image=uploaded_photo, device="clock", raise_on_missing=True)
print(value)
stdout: 7:29:21
